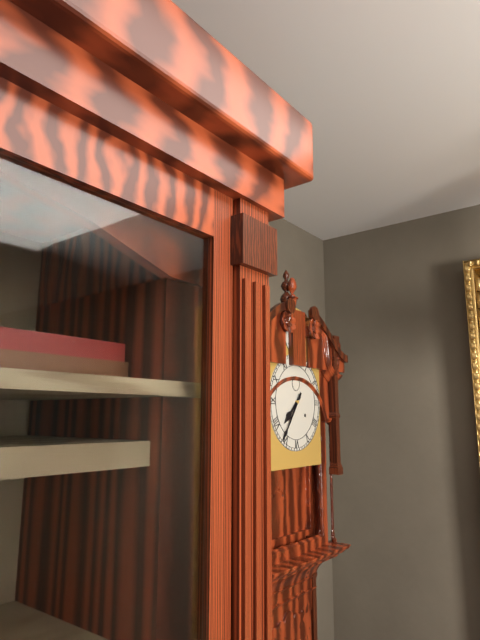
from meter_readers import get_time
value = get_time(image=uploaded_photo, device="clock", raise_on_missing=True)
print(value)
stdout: 7:36
